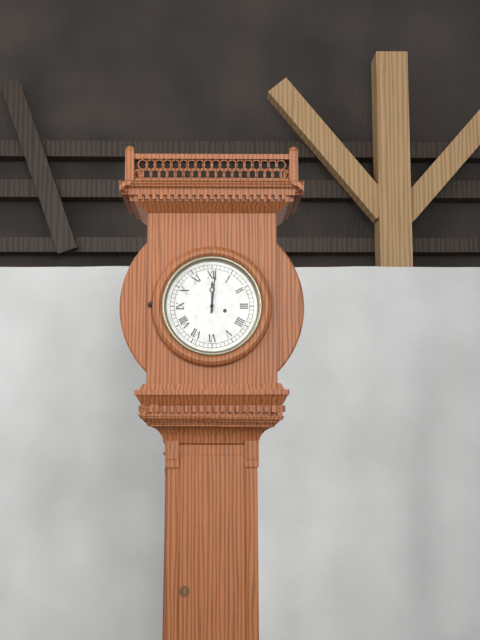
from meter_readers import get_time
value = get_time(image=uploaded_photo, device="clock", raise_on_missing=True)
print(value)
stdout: 12:01
